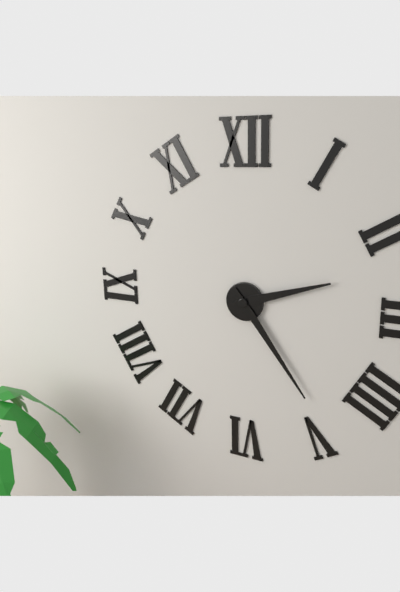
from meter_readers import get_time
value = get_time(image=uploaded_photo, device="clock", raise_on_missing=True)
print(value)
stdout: 2:24
